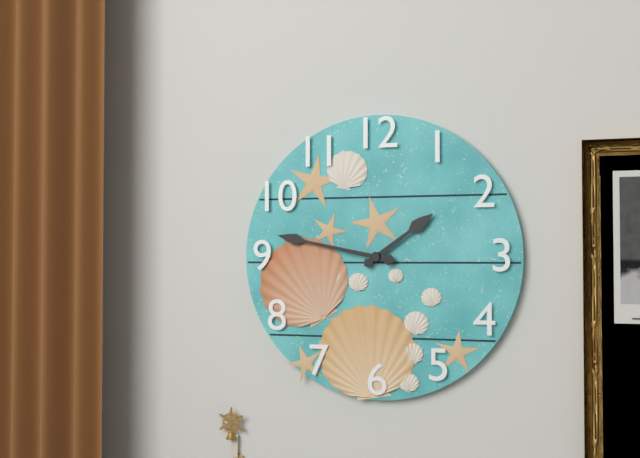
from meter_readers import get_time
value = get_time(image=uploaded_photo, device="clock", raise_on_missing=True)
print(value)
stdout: 1:47
